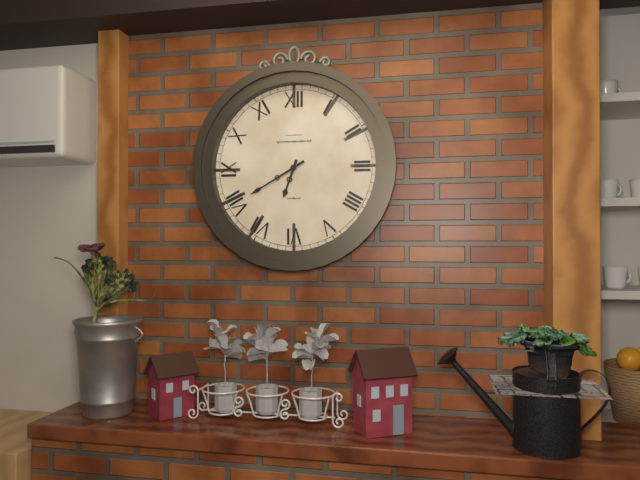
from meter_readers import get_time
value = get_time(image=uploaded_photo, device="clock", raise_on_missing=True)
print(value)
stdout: 6:40
